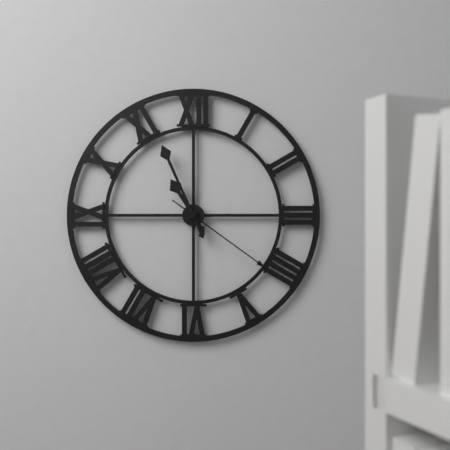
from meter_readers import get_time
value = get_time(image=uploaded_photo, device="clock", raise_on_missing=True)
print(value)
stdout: 10:56:21
